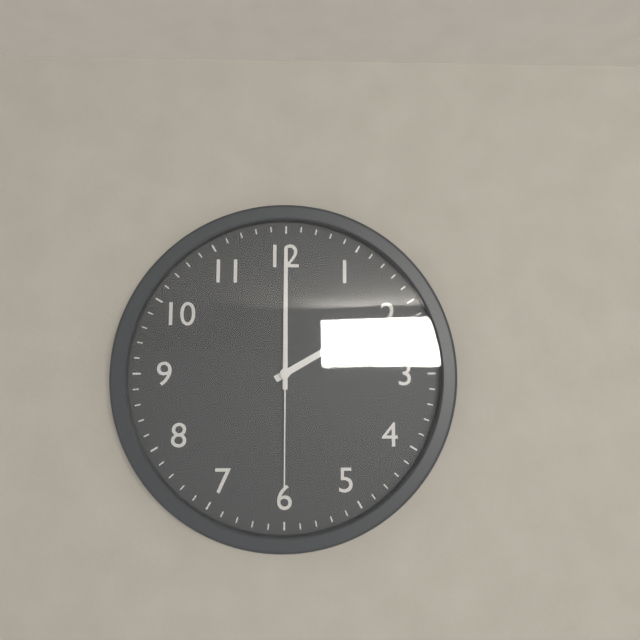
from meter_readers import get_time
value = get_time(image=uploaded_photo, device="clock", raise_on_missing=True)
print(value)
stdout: 2:00:30
